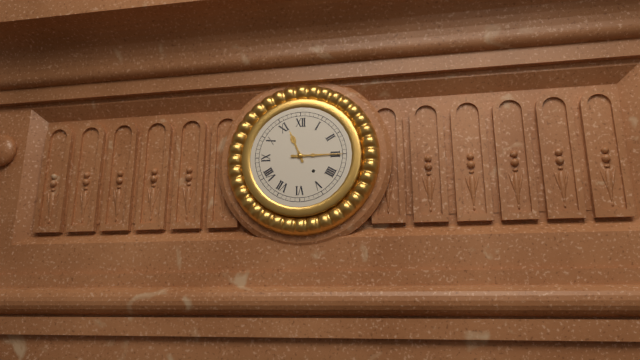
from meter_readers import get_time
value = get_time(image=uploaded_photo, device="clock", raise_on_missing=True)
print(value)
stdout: 11:15
